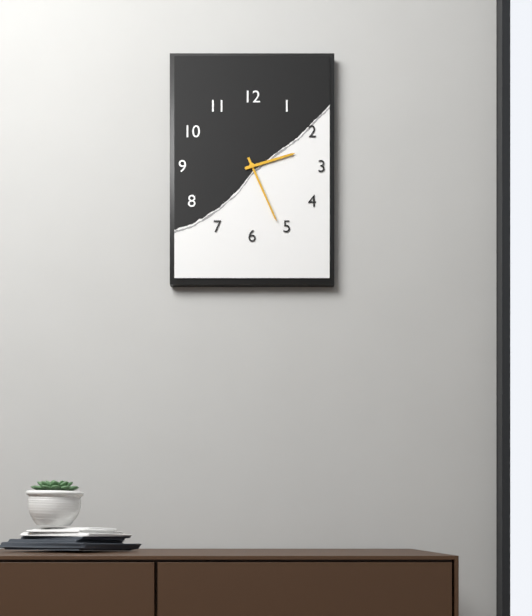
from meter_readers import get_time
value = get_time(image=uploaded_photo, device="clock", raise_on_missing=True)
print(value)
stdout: 2:26
